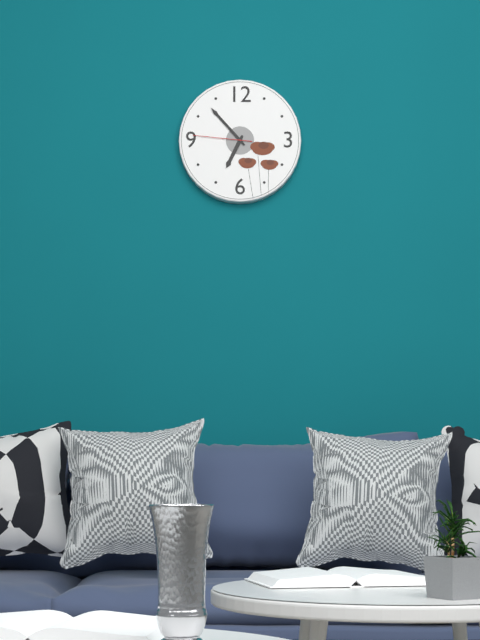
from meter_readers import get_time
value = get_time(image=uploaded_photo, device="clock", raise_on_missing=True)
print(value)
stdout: 6:53:46
